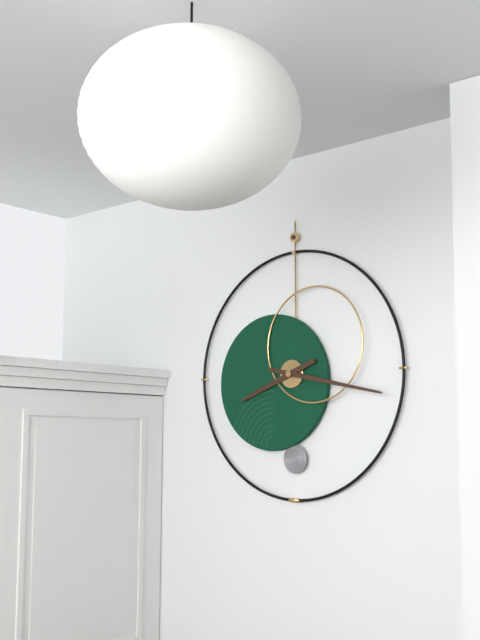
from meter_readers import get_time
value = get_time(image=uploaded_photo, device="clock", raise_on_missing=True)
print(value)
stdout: 8:17
